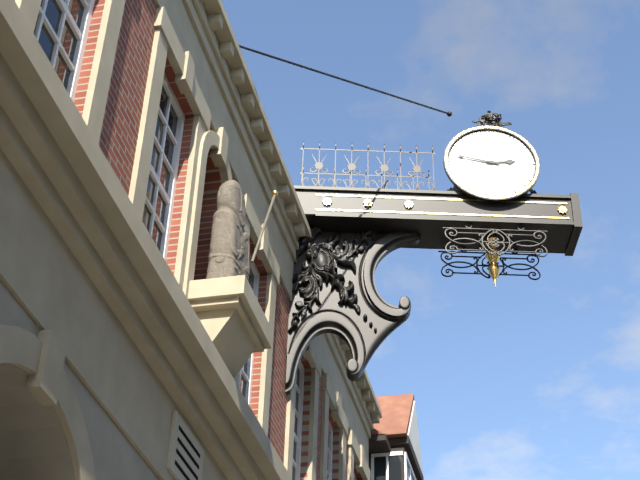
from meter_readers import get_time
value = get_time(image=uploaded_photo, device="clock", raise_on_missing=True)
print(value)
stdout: 2:47
